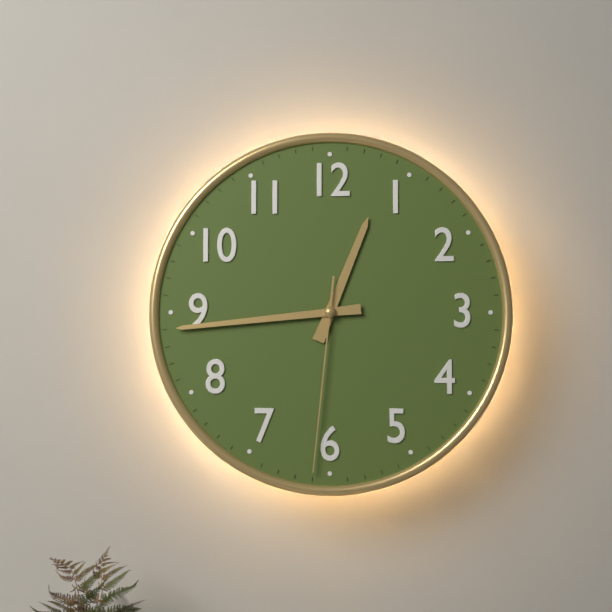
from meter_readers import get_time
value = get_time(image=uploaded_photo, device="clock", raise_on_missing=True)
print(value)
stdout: 12:44:31
